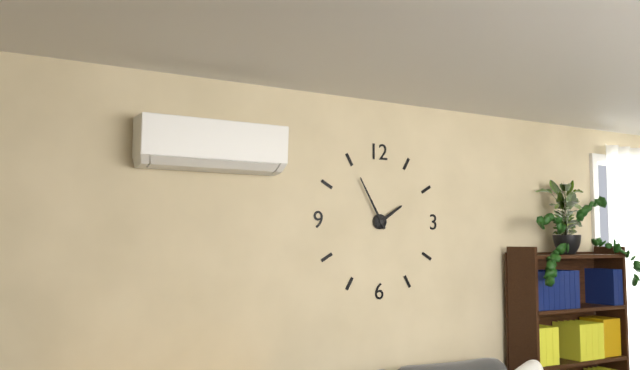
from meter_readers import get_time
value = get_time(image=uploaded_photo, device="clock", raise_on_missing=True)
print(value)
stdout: 1:55
